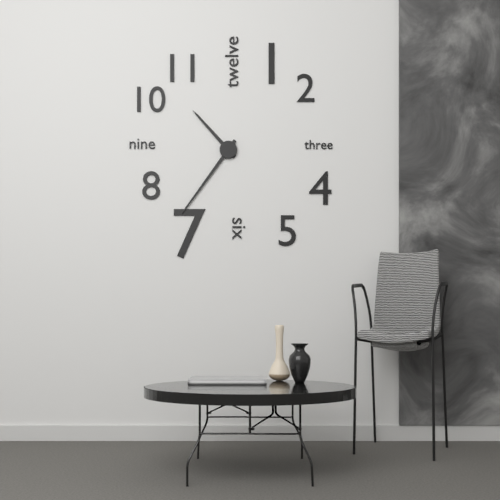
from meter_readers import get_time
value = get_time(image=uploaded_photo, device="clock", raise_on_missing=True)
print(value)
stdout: 10:36
